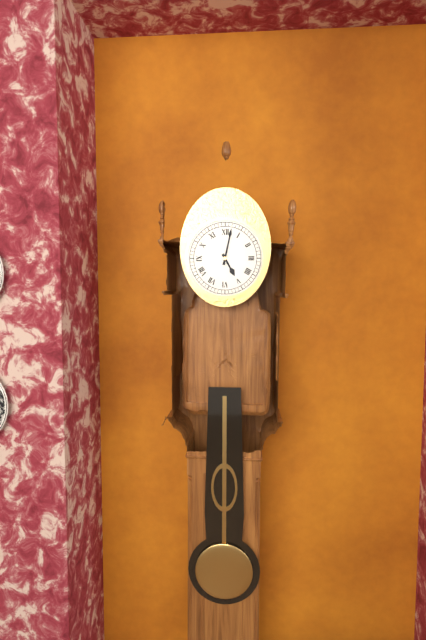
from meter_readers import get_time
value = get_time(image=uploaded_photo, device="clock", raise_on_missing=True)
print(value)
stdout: 5:02
